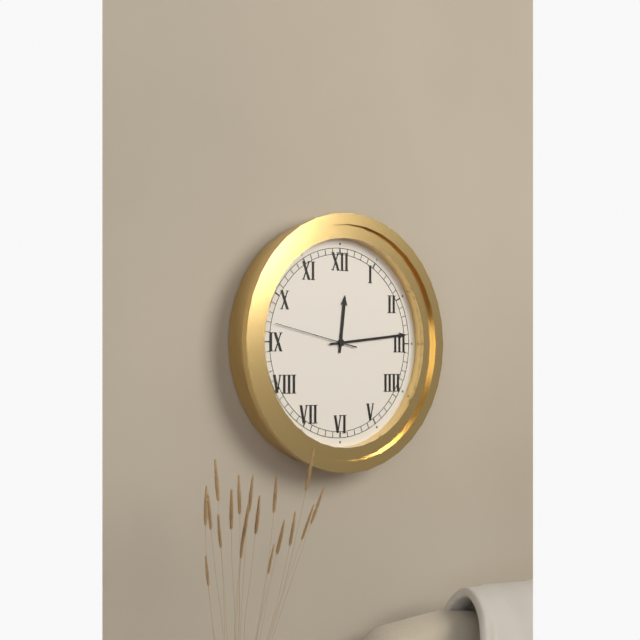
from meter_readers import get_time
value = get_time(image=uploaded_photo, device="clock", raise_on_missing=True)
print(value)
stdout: 12:14:47
